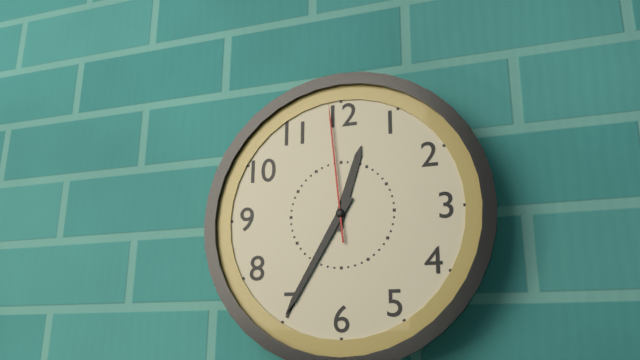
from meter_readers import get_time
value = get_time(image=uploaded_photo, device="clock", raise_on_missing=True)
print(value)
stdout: 12:35:59
